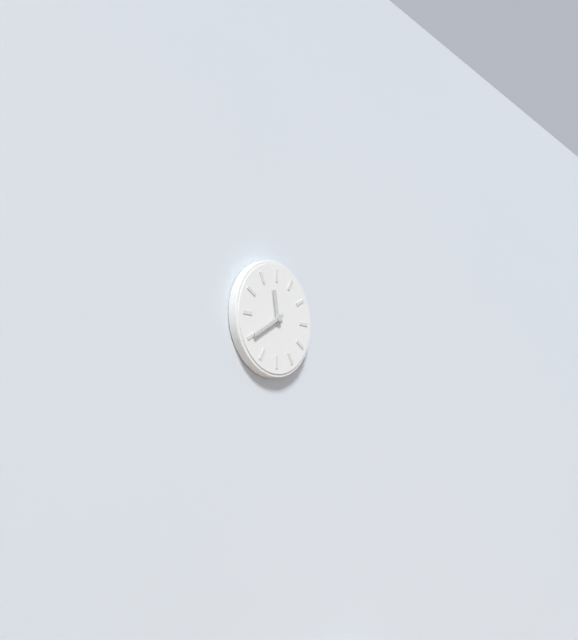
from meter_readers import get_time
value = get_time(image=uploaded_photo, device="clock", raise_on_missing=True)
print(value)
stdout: 11:40
